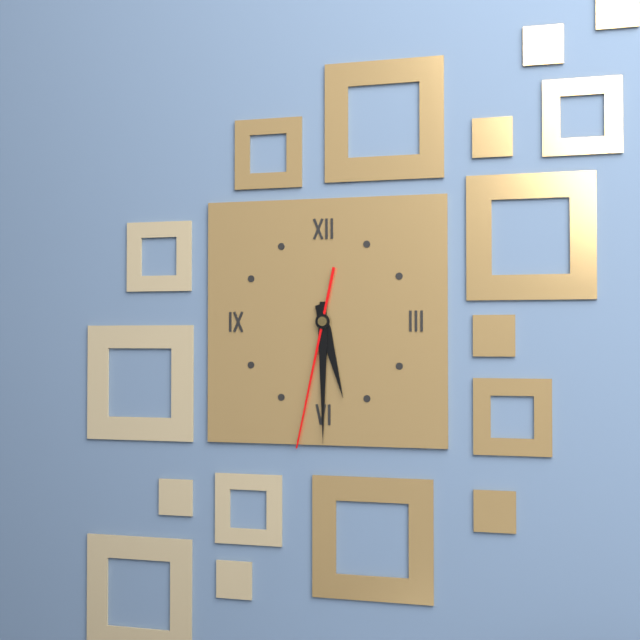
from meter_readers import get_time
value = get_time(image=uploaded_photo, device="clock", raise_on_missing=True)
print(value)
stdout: 5:30:32
